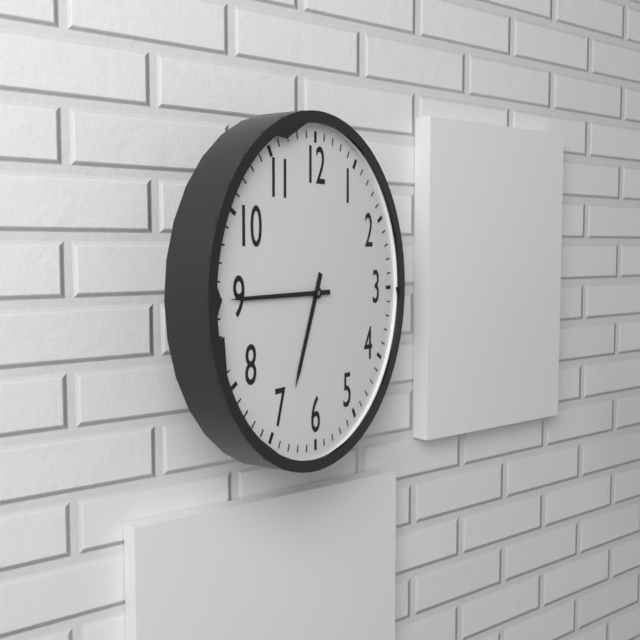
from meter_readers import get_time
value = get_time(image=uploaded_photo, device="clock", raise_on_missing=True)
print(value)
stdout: 6:45
